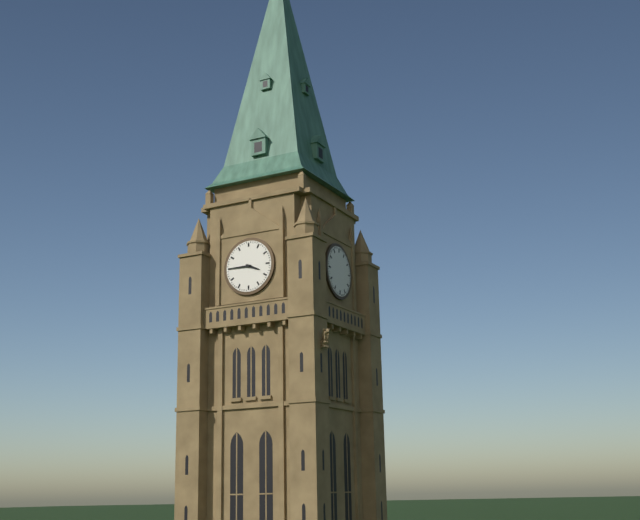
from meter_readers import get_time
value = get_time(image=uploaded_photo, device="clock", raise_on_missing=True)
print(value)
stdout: 3:45
